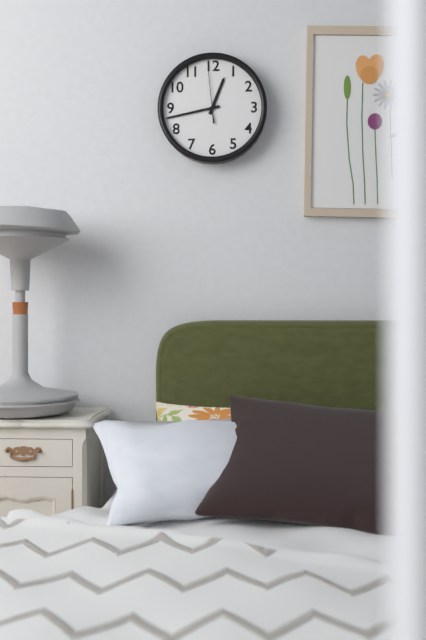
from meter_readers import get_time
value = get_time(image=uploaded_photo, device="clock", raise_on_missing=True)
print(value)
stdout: 12:43:59
